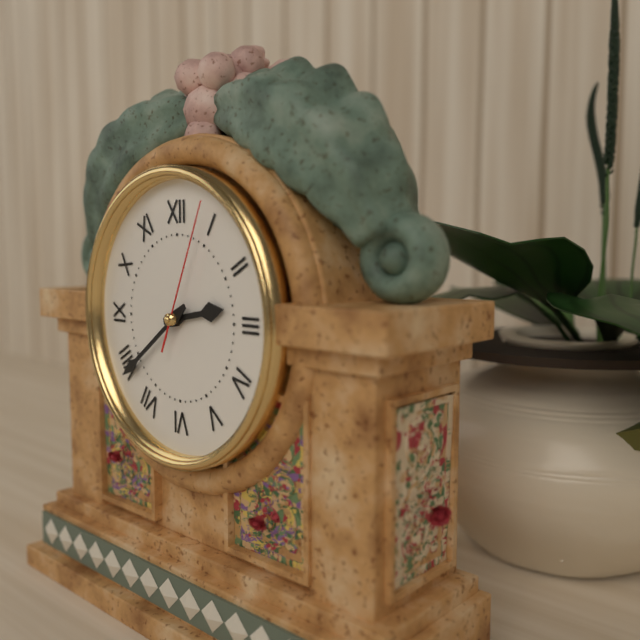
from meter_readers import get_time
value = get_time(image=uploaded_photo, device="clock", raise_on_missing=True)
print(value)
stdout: 2:39:04
